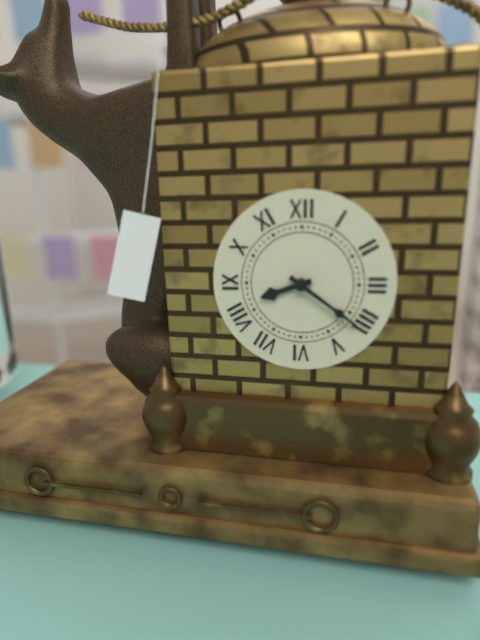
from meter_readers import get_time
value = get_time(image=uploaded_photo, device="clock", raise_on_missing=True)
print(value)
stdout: 8:21
